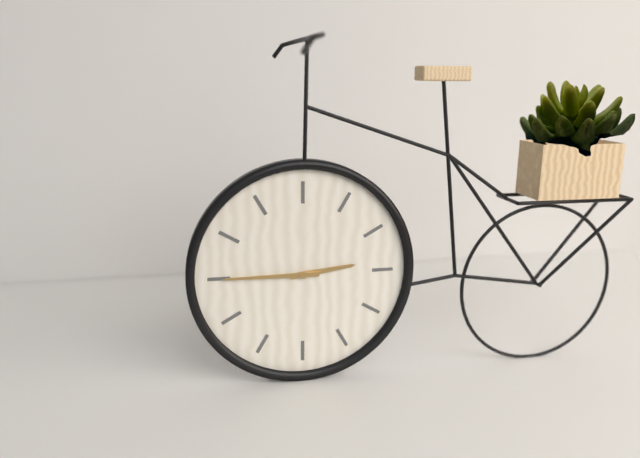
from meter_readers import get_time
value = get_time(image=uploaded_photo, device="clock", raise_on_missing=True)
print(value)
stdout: 2:45
